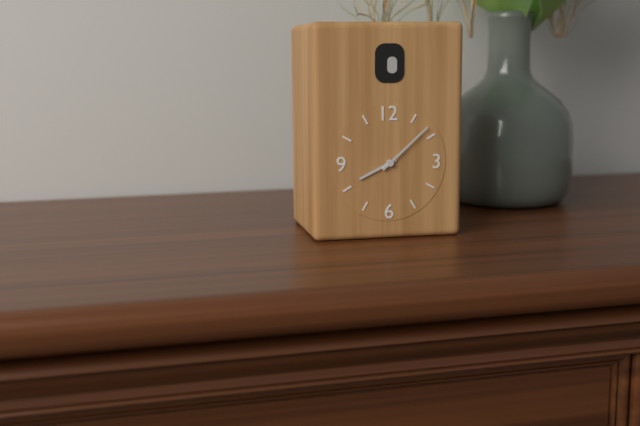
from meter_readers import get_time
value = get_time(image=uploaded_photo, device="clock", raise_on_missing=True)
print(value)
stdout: 8:08
